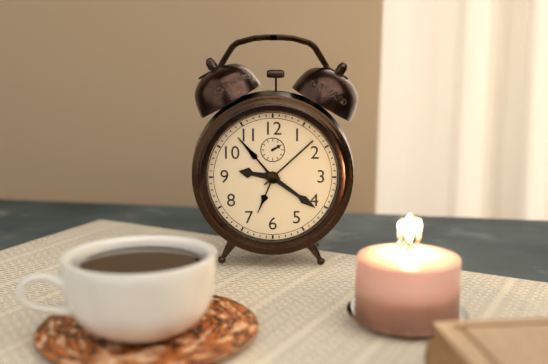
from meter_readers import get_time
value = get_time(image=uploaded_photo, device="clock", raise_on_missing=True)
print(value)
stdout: 9:21
